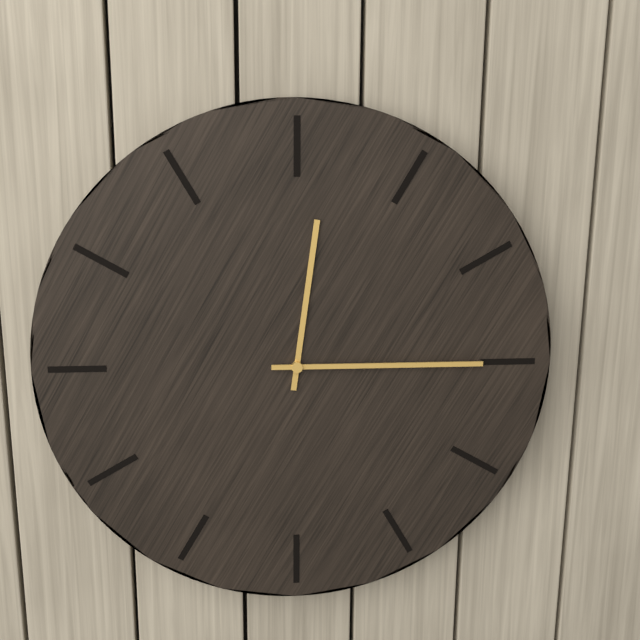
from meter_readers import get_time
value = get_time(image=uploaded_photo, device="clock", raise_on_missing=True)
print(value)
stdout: 12:15
